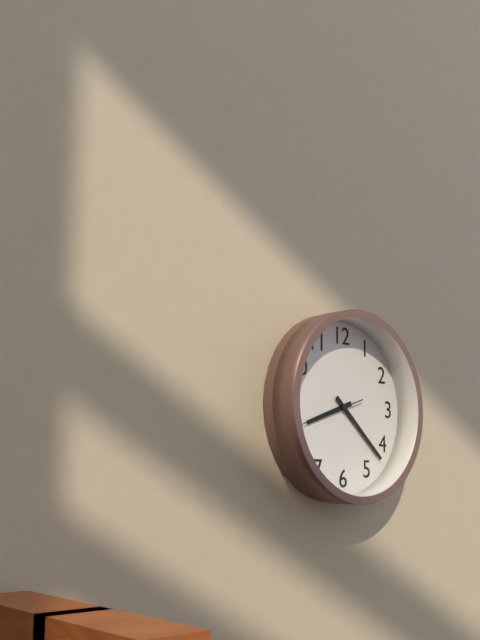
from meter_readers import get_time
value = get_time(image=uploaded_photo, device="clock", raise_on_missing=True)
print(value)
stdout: 8:22:42
